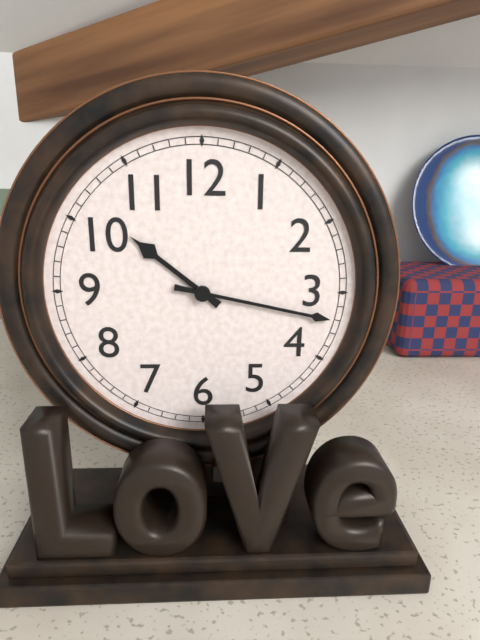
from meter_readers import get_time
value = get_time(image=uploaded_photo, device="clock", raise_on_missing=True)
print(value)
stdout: 10:17
